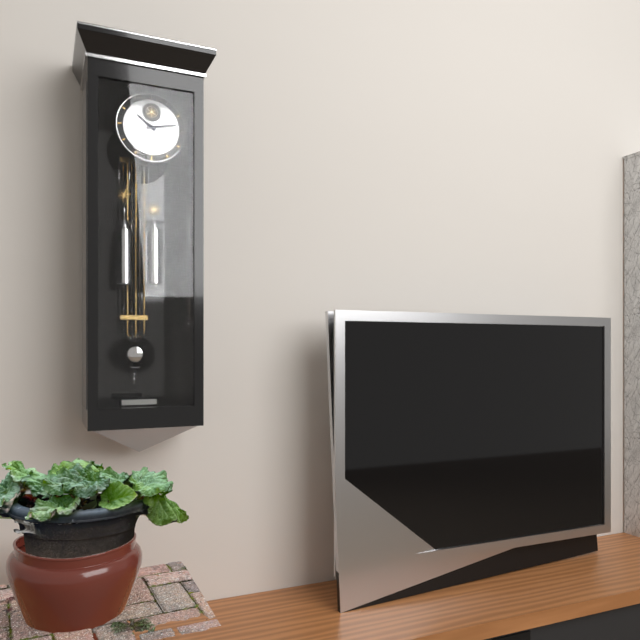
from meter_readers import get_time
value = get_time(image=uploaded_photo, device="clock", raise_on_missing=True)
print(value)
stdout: 10:13
